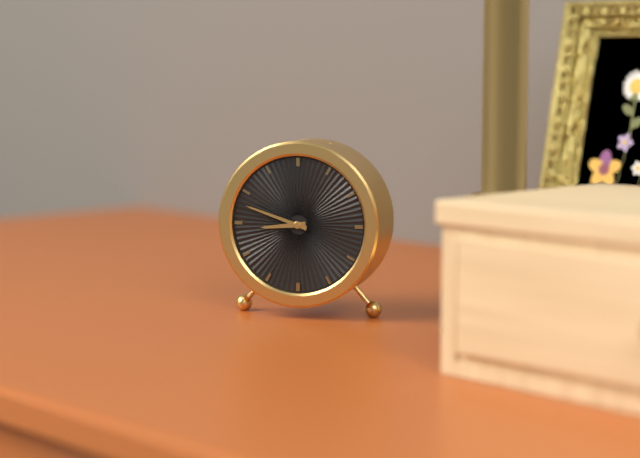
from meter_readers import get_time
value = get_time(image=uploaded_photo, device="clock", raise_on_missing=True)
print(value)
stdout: 8:48
